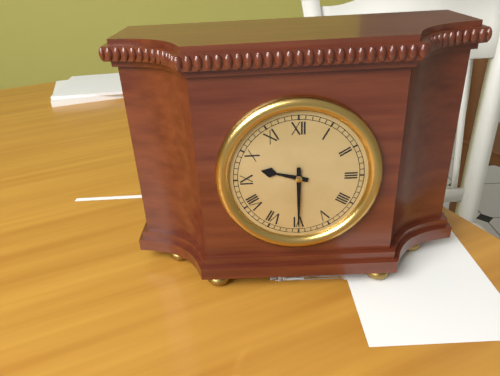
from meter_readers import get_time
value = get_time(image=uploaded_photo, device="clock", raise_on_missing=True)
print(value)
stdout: 9:30
